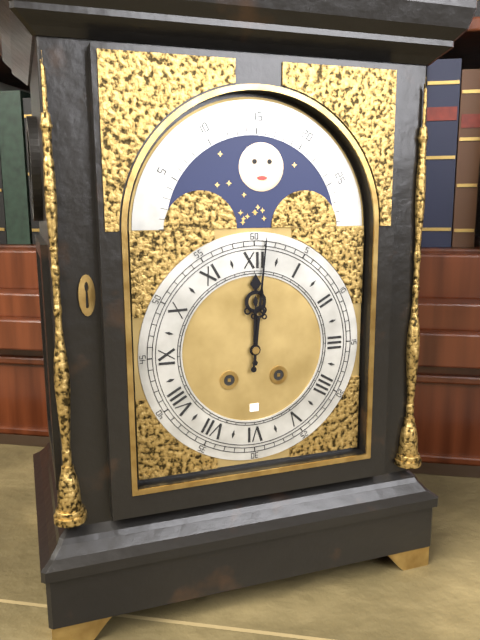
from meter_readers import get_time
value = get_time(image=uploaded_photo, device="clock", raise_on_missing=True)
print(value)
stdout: 12:01
